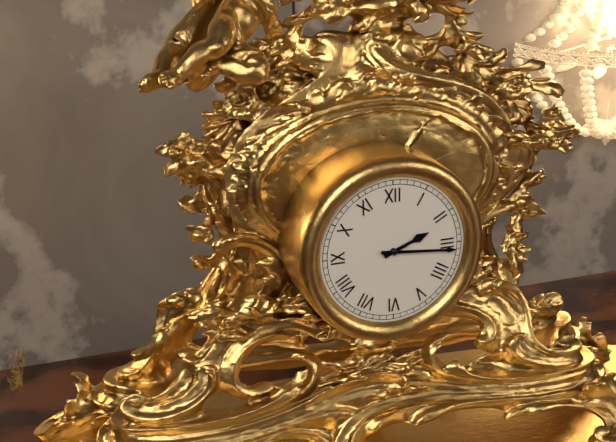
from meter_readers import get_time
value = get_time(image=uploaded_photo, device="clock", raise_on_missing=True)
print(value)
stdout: 2:16
